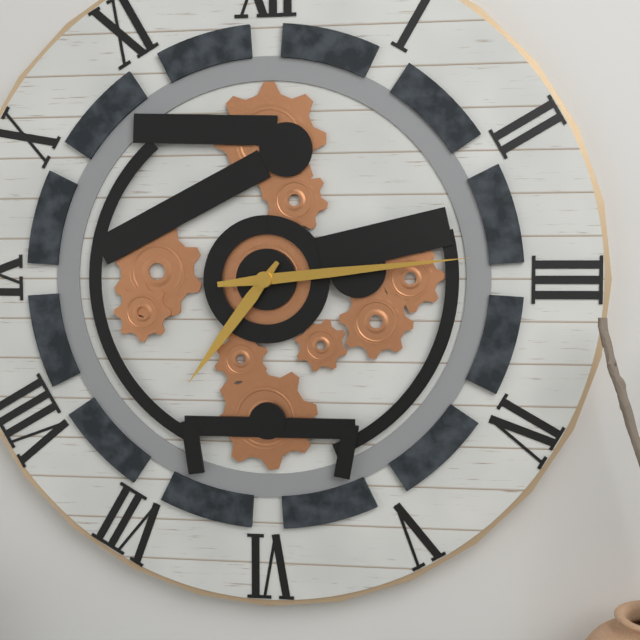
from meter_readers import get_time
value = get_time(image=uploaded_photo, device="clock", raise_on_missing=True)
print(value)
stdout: 7:14
